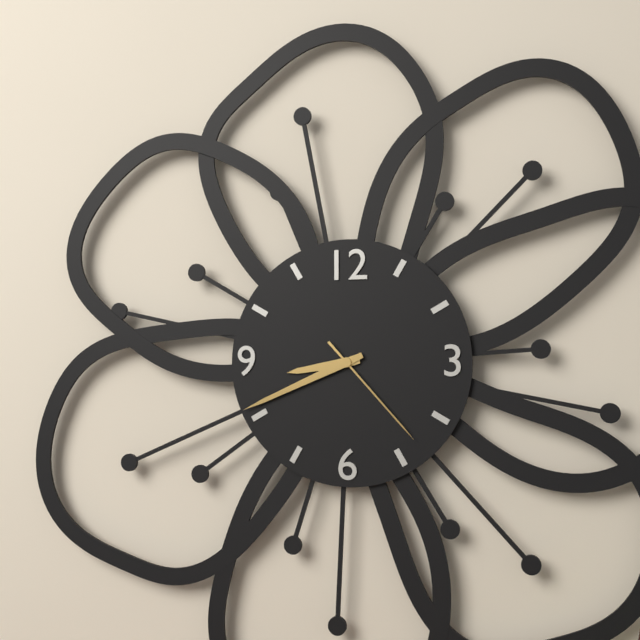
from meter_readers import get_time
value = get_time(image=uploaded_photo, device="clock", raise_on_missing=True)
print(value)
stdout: 8:41:23
